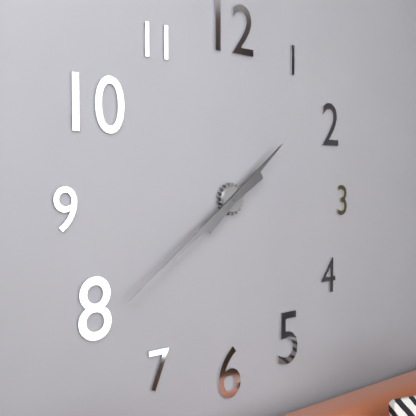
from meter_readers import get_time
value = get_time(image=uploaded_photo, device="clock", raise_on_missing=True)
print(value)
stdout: 1:39
